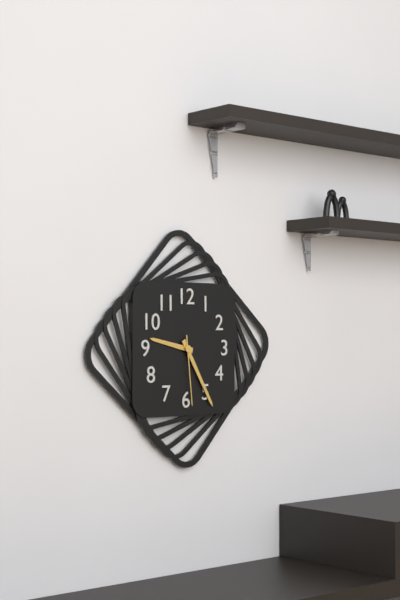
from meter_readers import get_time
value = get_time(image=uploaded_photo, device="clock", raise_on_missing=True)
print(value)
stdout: 9:25:29
